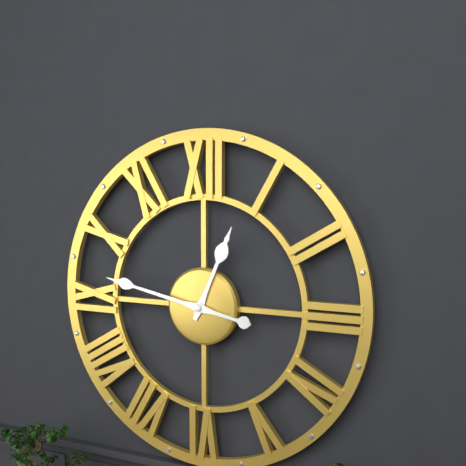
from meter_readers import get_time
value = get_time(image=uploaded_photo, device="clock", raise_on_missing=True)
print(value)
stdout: 12:47
